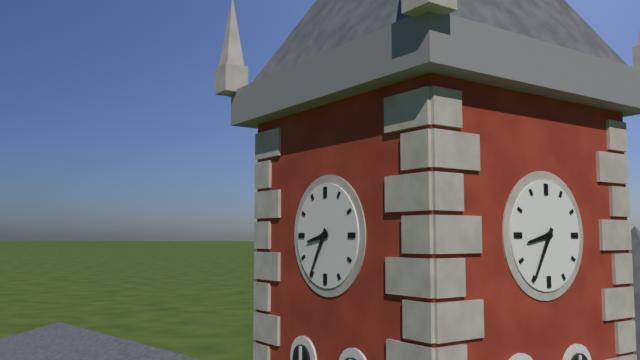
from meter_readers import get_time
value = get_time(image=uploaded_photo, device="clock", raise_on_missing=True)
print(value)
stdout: 8:35
